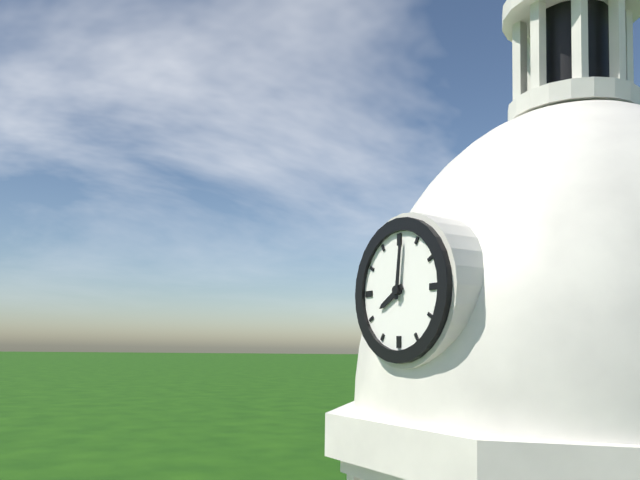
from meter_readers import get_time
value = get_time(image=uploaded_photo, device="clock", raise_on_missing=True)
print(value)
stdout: 8:01
